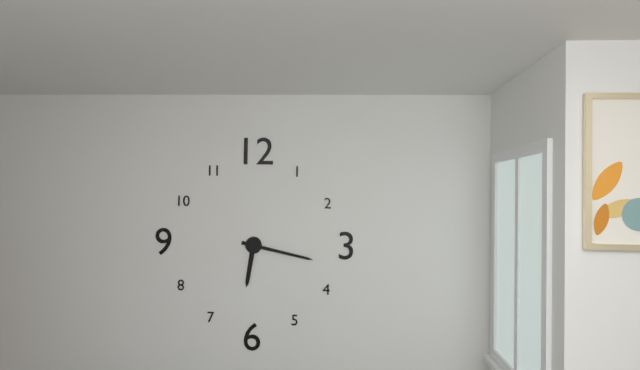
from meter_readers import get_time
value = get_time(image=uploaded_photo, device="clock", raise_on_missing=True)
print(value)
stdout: 6:17
